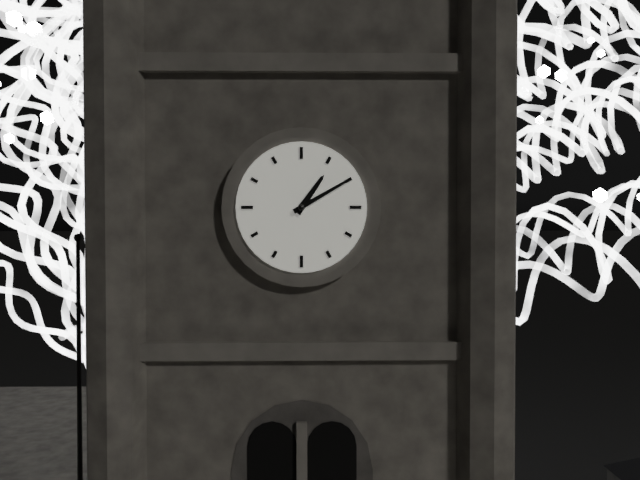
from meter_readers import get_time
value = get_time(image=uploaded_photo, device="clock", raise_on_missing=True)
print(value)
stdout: 1:10
